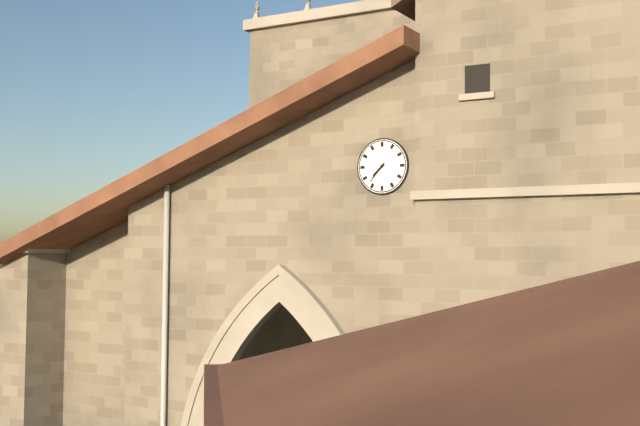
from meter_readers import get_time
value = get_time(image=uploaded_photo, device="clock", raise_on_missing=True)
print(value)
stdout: 7:37
